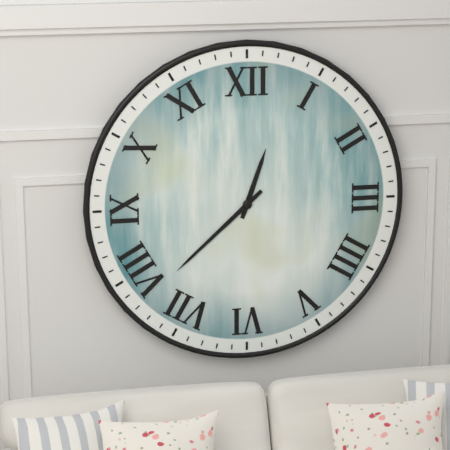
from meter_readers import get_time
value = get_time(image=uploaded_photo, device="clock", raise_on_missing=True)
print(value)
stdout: 12:38
